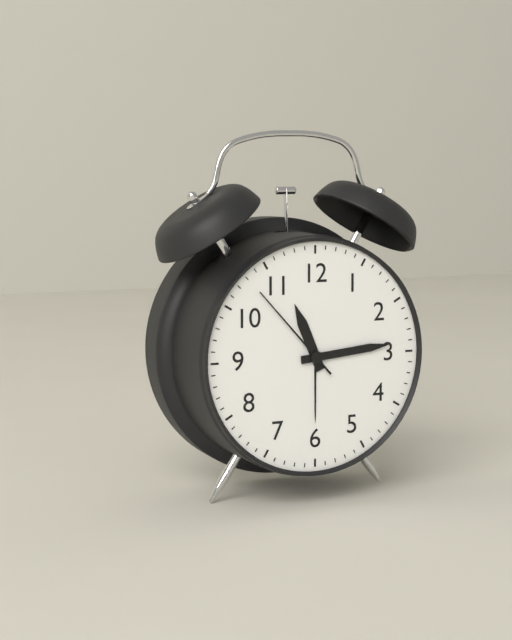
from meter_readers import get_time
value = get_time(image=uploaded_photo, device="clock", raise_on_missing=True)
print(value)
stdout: 11:14:53
